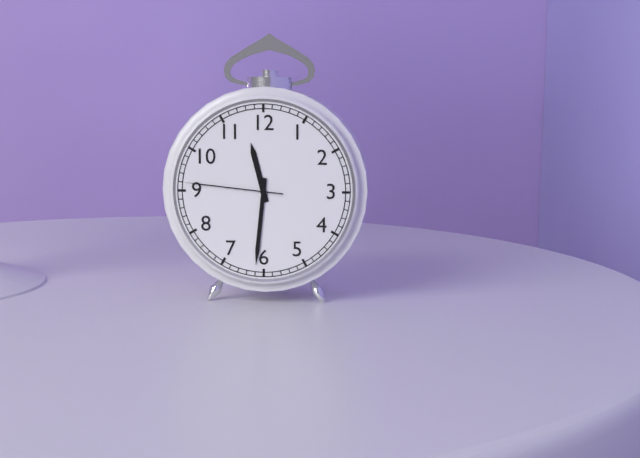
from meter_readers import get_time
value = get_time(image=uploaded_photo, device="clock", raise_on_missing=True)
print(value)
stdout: 11:31:46
